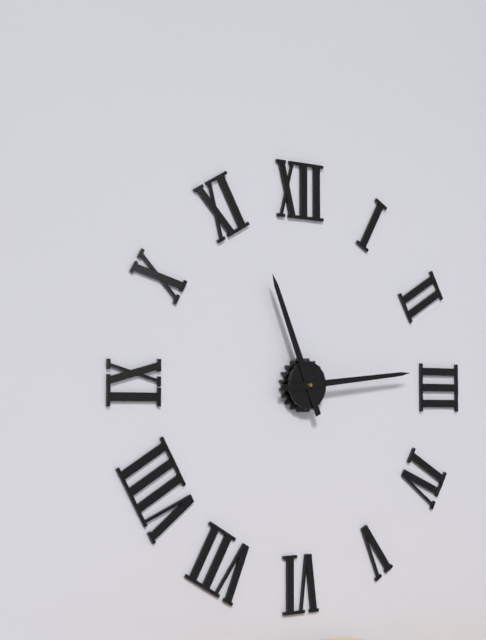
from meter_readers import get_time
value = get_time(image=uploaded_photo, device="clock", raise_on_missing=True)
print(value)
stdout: 11:14
